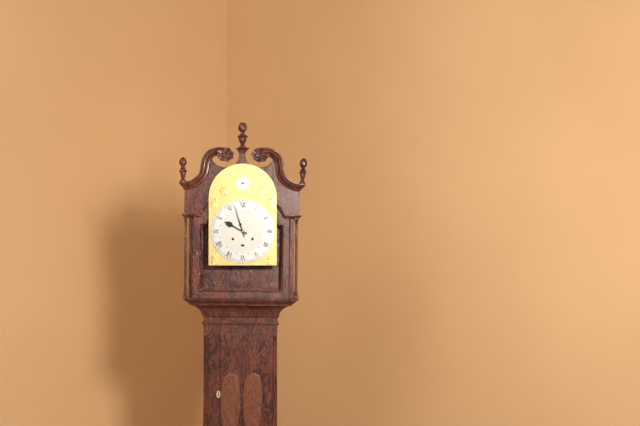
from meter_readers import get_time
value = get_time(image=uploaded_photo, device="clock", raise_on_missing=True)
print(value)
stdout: 9:57
